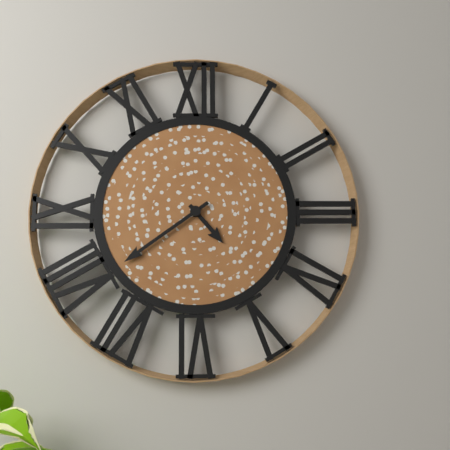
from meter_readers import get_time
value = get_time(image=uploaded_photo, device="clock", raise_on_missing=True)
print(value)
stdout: 4:39
